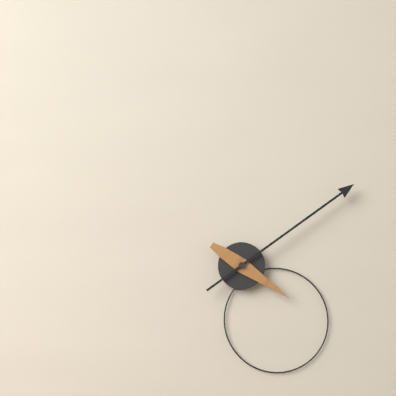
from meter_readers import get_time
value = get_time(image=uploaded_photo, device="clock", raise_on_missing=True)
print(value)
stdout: 4:09
